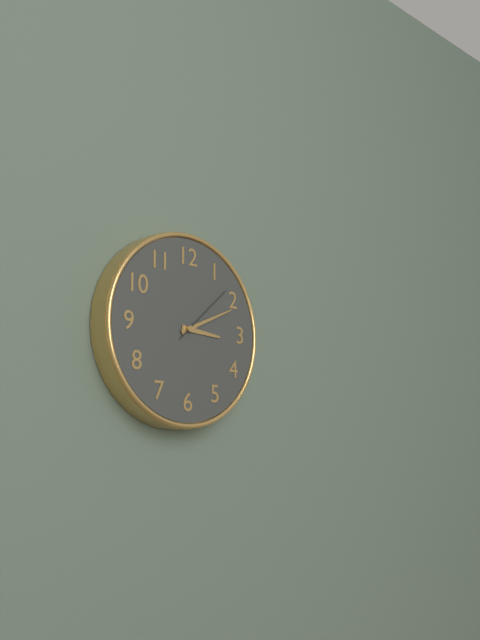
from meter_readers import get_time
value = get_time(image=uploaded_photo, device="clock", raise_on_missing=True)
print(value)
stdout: 3:11:08
